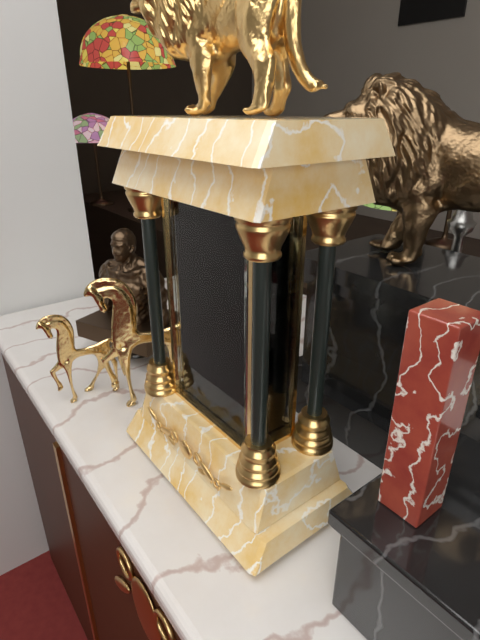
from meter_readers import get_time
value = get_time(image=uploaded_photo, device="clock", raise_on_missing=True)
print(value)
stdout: 12:56
